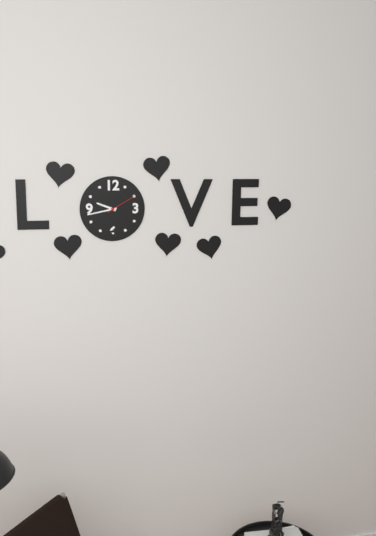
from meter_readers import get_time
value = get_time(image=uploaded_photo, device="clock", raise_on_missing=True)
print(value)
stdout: 9:43
